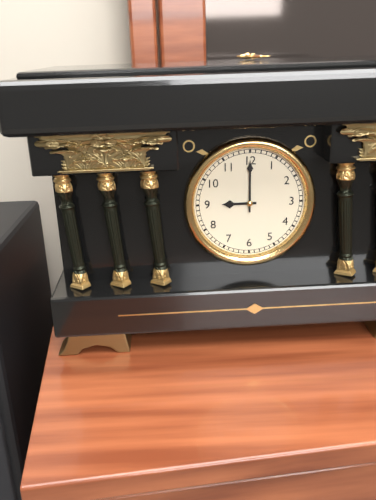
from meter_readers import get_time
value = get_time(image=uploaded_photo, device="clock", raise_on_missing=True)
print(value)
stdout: 9:00
